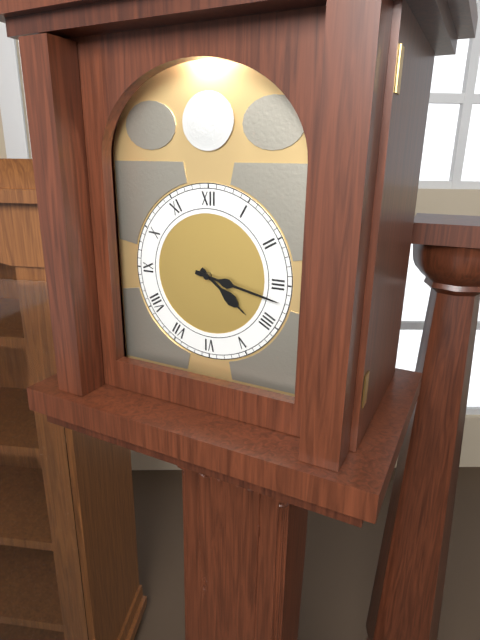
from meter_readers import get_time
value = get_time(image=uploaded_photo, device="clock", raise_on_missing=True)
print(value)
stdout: 4:17
